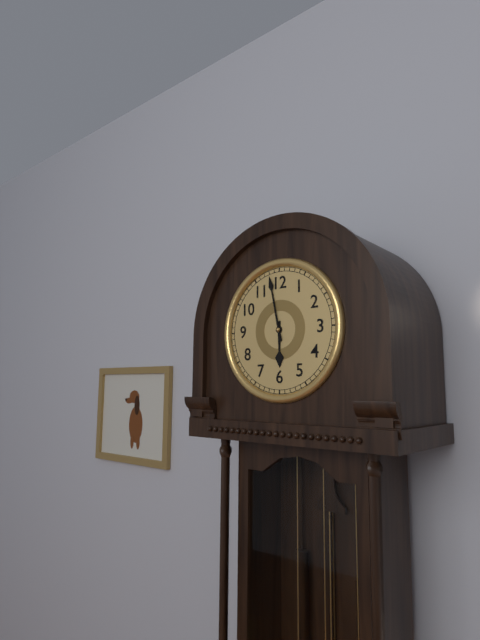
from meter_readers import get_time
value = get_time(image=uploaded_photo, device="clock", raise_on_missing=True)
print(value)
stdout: 5:58
